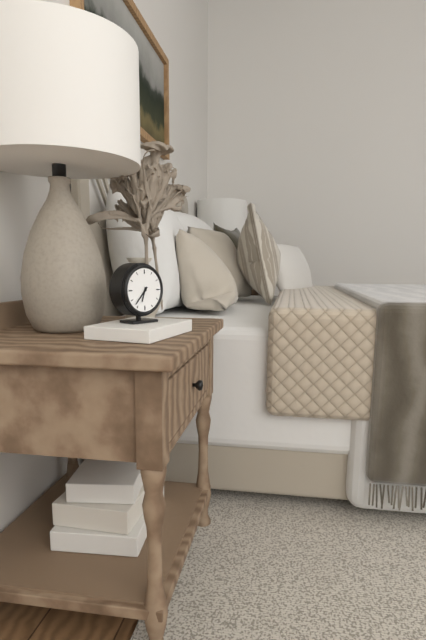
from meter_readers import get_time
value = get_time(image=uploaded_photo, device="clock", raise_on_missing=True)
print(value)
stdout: 6:37
